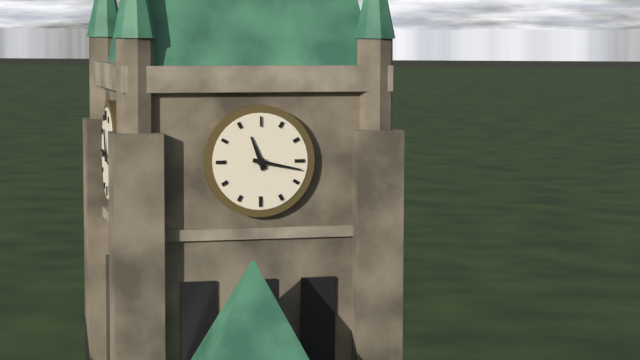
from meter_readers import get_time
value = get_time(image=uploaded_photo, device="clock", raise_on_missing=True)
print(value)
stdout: 11:17
